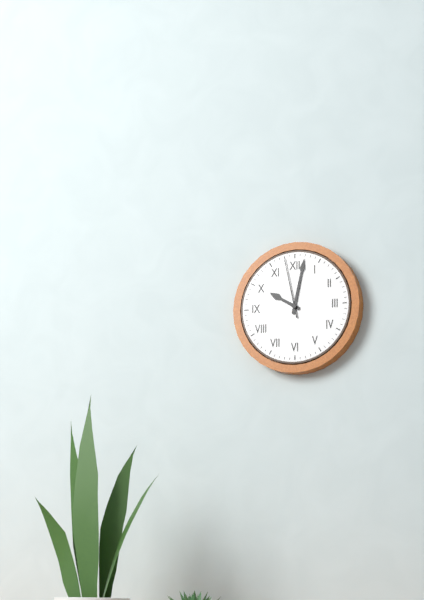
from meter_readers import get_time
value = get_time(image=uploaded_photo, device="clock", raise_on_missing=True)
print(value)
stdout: 10:02:58
